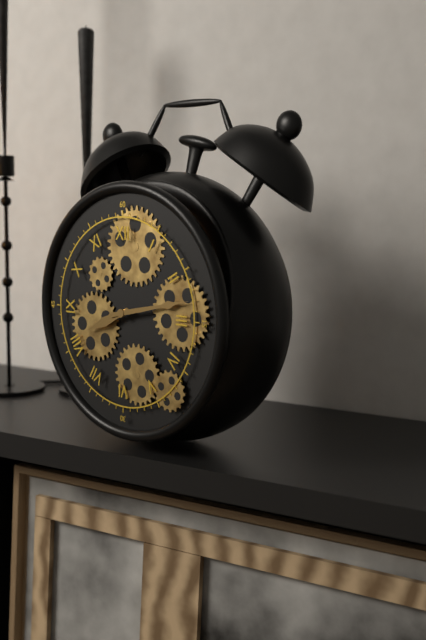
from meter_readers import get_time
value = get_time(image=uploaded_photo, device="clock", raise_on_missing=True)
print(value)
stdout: 8:13
